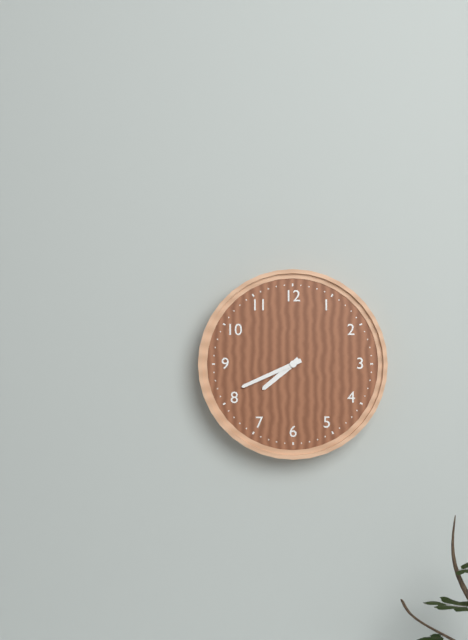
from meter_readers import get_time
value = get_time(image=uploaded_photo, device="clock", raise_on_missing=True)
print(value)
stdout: 7:41
